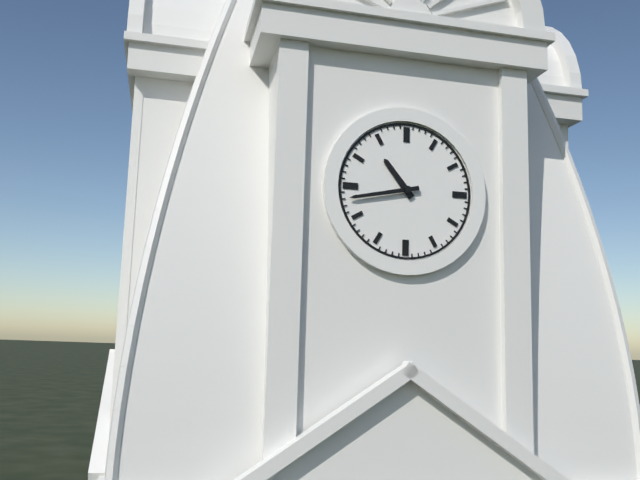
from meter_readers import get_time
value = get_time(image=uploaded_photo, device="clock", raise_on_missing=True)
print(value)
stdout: 10:43
